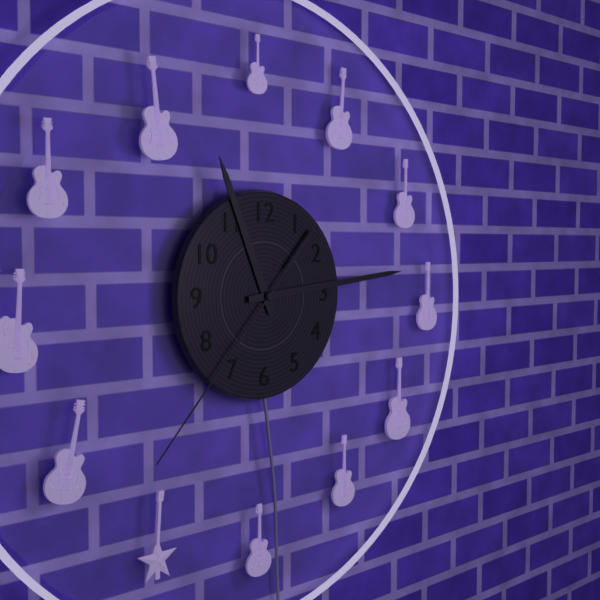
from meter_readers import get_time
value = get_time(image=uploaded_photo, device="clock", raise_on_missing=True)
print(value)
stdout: 11:14:37
